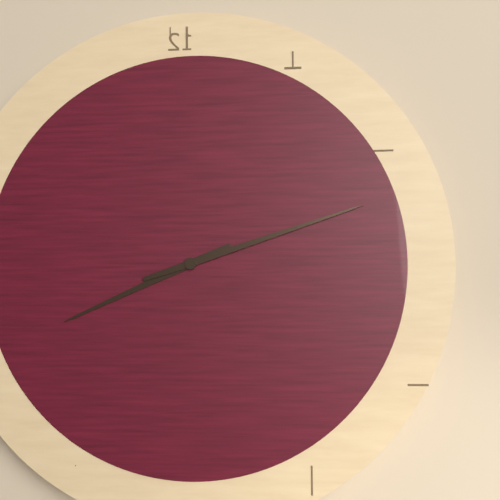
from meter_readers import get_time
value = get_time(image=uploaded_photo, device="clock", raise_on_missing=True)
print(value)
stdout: 8:12
